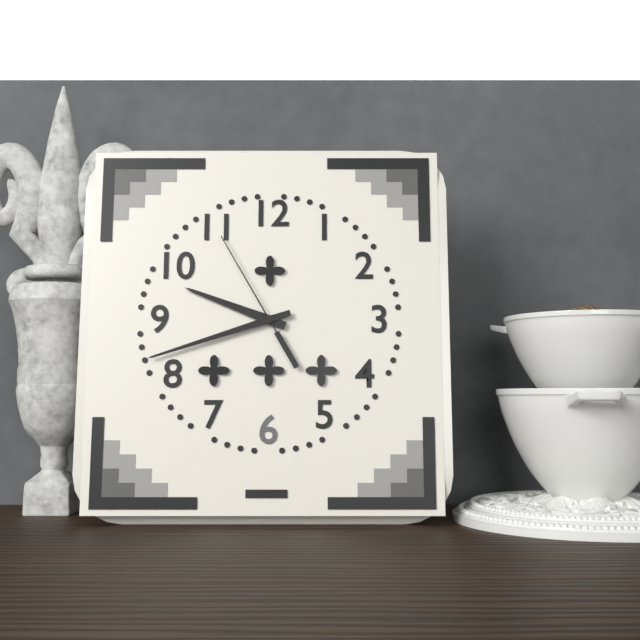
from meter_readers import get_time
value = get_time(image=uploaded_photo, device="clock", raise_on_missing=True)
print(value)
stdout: 9:42:55
